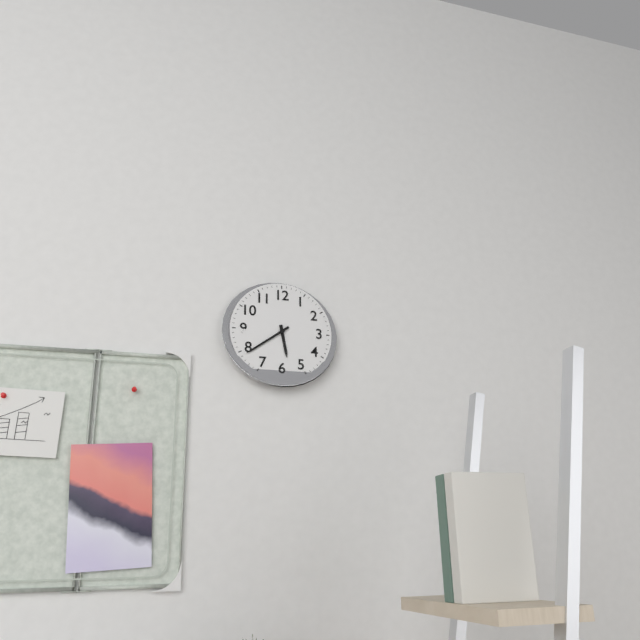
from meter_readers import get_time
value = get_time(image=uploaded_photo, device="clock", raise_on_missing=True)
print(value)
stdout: 5:39
